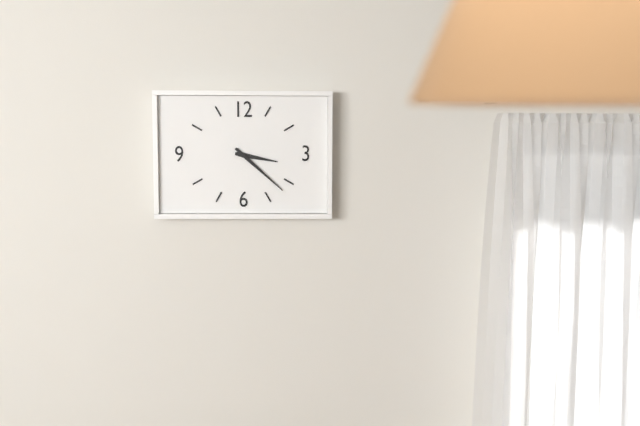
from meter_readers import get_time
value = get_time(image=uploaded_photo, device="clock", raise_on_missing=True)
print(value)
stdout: 3:22
